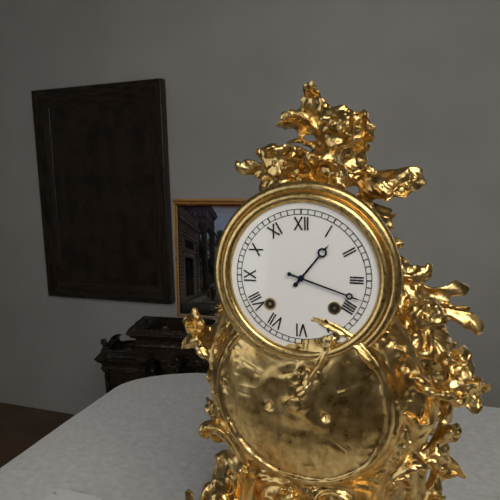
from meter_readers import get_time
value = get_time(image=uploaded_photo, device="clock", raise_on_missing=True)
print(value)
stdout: 1:18
